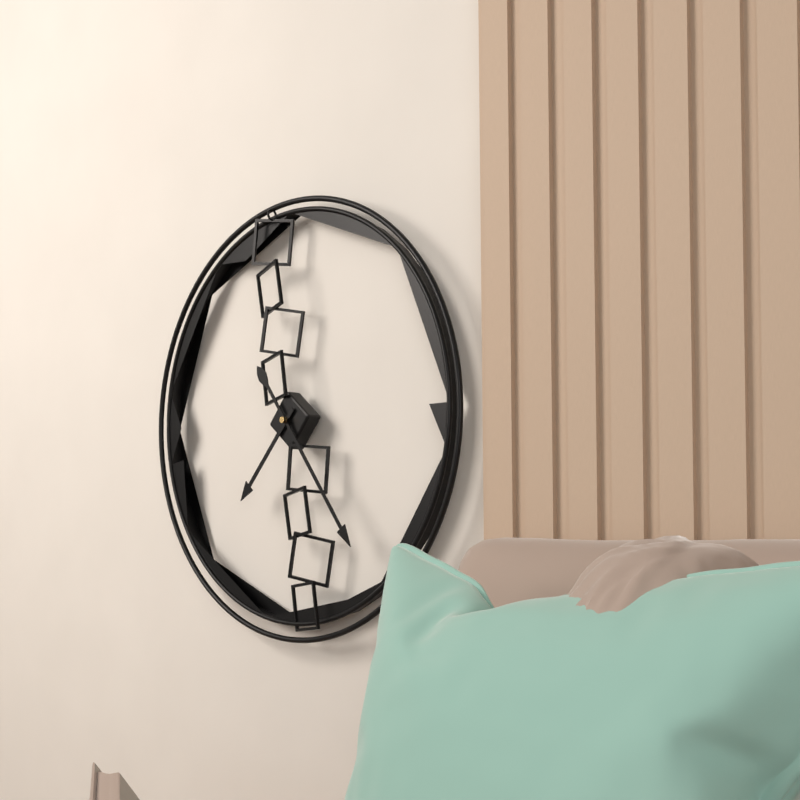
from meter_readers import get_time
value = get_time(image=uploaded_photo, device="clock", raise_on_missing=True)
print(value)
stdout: 7:24
